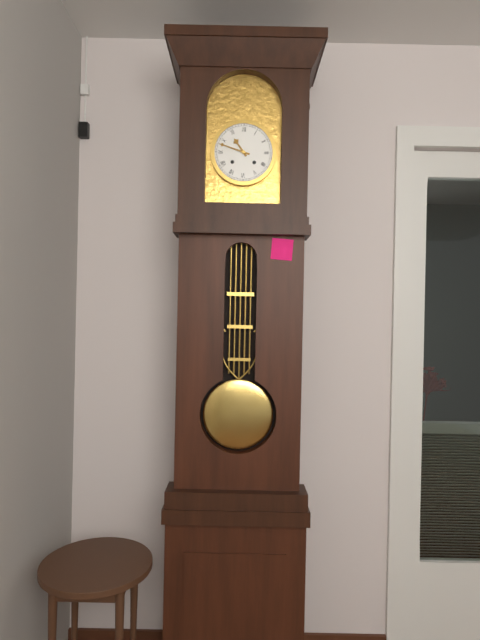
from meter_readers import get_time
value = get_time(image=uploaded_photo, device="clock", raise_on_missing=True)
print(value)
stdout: 10:48
